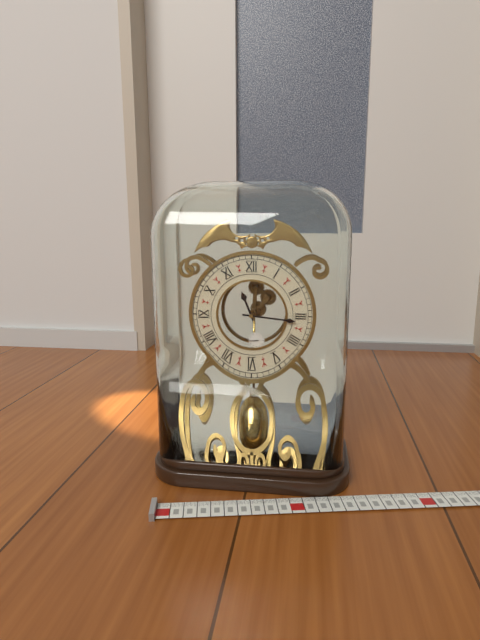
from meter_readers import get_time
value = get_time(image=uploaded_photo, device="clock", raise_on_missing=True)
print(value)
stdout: 11:16
